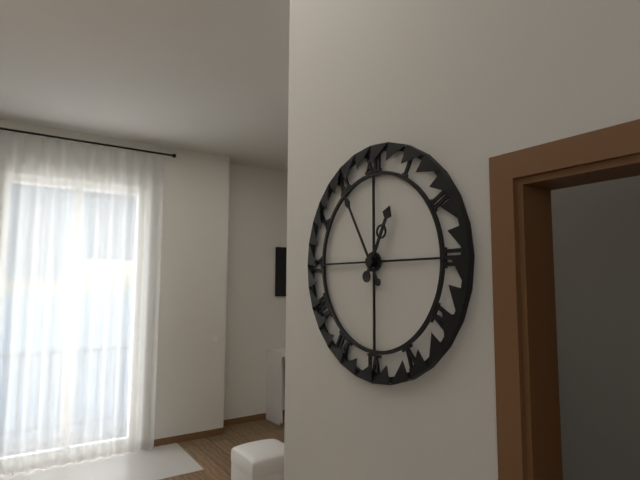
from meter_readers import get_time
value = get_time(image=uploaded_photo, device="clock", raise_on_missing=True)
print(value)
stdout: 12:55
